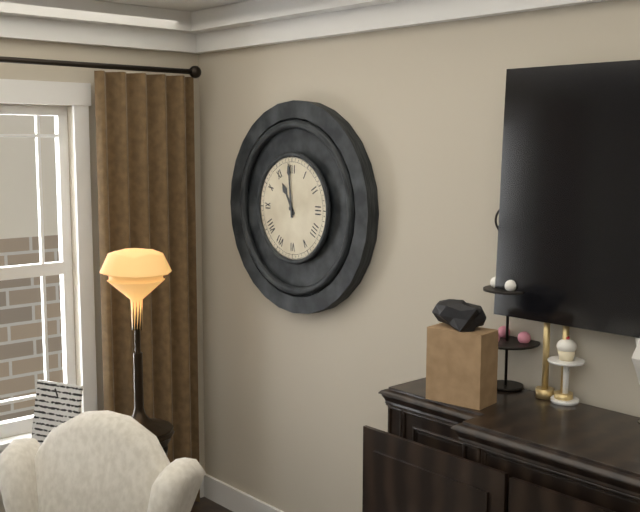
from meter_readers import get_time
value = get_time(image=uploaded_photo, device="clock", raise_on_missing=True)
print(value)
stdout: 10:59
